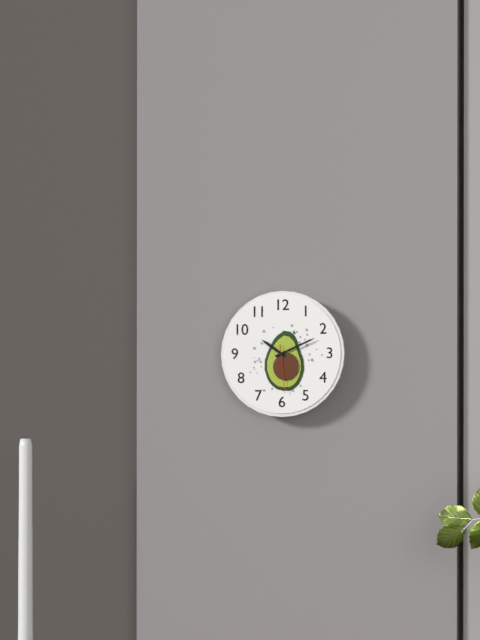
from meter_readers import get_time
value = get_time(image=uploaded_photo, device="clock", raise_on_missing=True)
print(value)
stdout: 10:11
